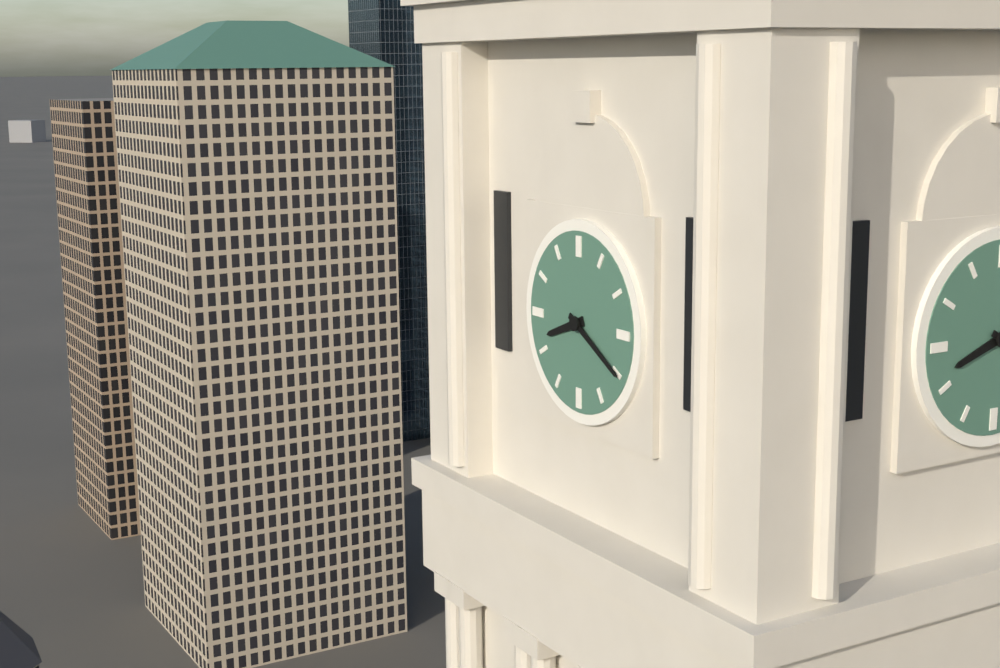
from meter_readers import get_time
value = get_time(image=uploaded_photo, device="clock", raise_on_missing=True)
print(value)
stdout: 8:20
